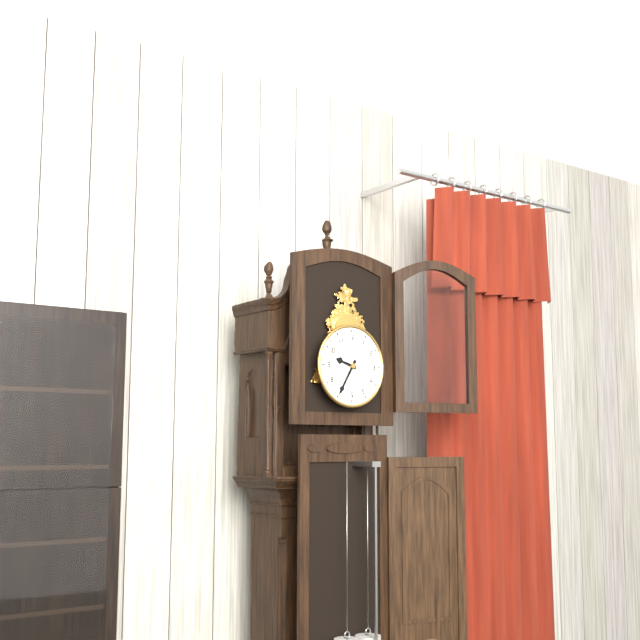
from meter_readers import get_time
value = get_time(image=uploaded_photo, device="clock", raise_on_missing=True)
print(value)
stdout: 9:35
